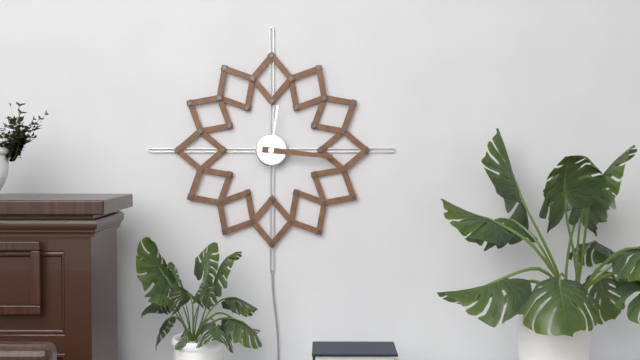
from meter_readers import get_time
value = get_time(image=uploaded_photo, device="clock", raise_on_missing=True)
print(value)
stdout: 12:16
